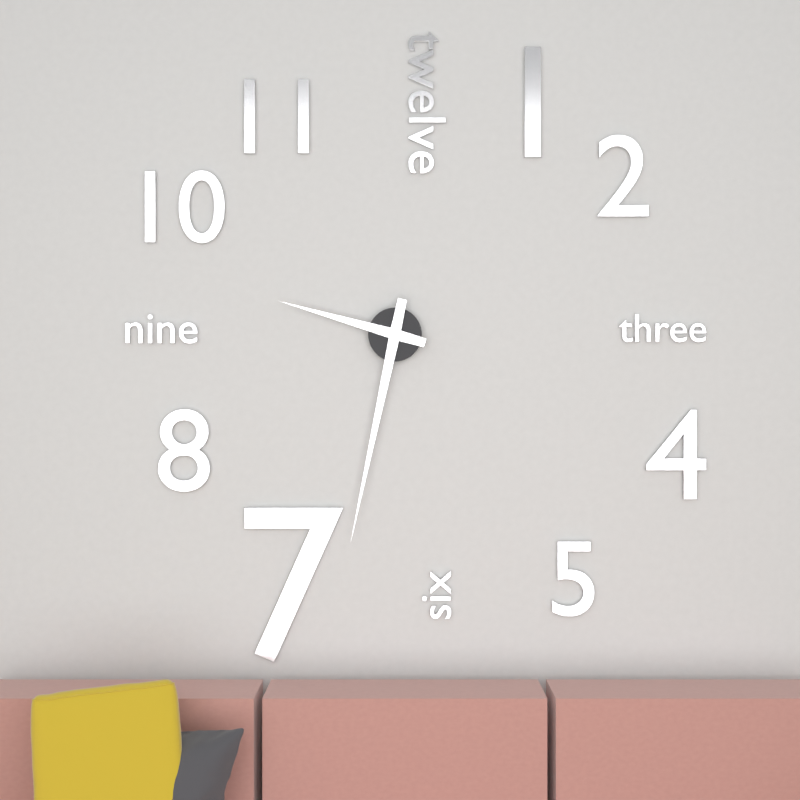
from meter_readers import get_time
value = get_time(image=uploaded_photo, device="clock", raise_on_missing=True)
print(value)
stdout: 9:32
